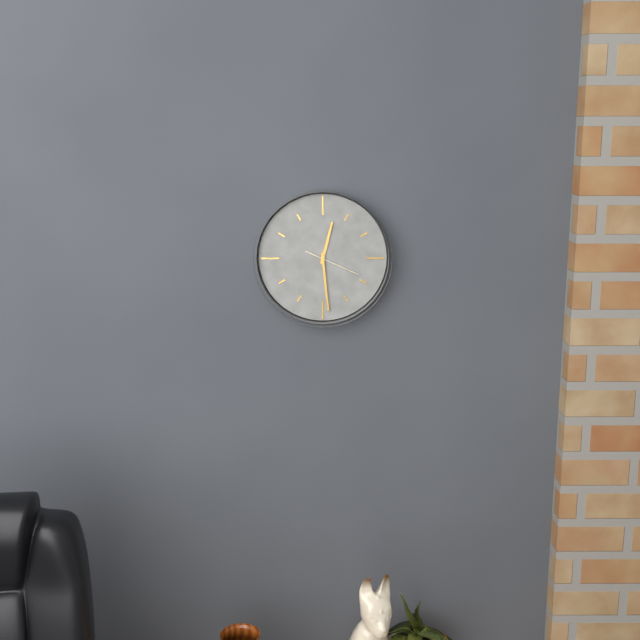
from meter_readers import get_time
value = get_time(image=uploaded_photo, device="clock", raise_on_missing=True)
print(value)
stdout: 12:29
